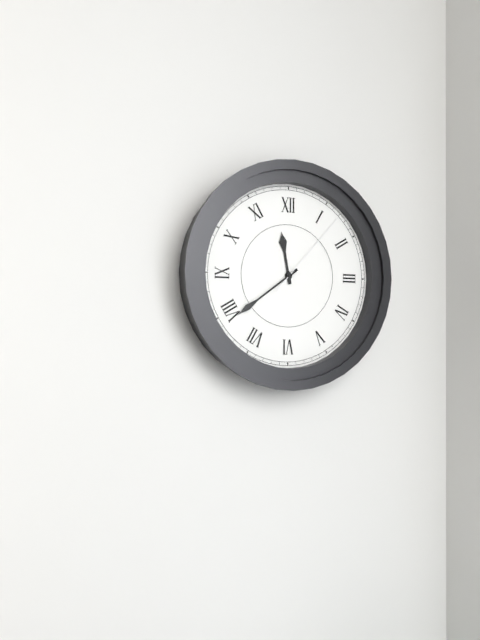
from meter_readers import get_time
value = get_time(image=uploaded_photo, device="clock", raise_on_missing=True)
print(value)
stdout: 11:39:07
